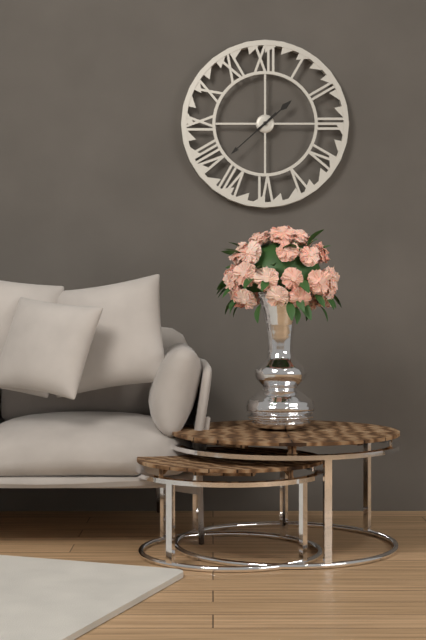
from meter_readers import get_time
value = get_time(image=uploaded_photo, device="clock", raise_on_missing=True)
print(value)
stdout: 1:38
